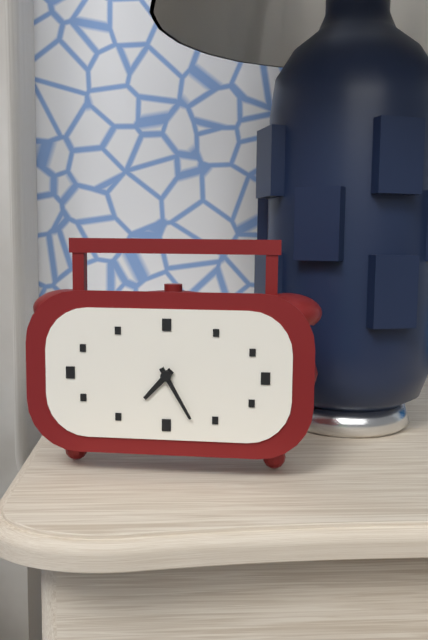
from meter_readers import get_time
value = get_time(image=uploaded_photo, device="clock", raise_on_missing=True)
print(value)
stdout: 7:25
